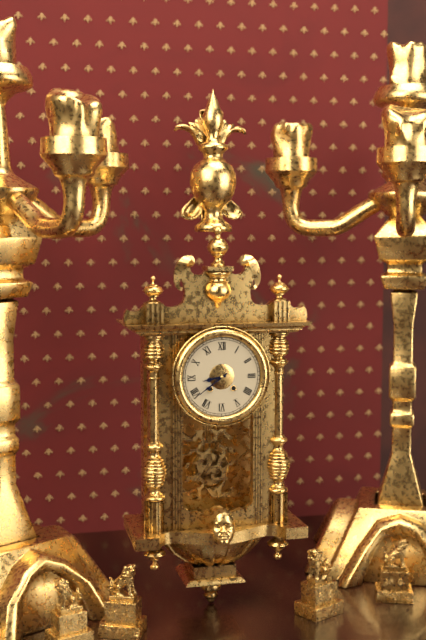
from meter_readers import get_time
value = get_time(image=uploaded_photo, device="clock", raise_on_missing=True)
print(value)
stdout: 8:39
